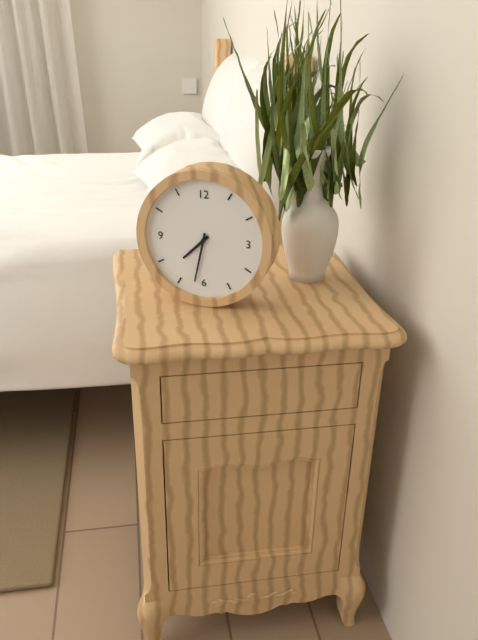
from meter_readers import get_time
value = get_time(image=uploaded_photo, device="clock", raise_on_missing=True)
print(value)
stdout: 7:32
